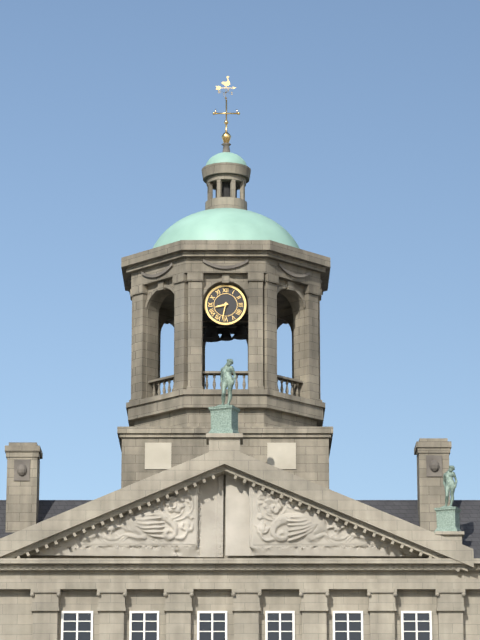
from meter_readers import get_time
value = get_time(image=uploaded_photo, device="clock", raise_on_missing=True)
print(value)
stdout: 8:32
